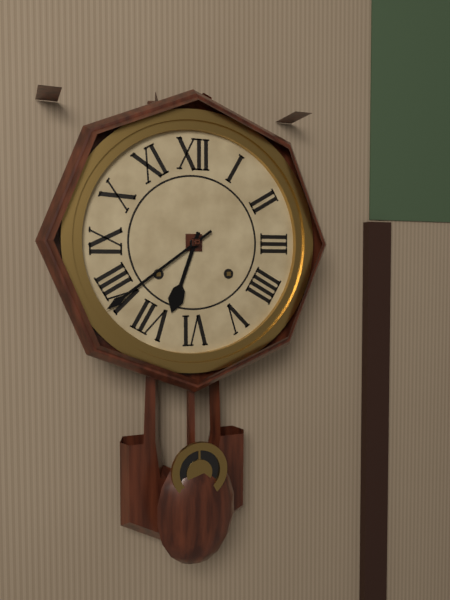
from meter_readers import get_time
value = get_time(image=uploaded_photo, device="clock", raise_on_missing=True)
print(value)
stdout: 6:39
